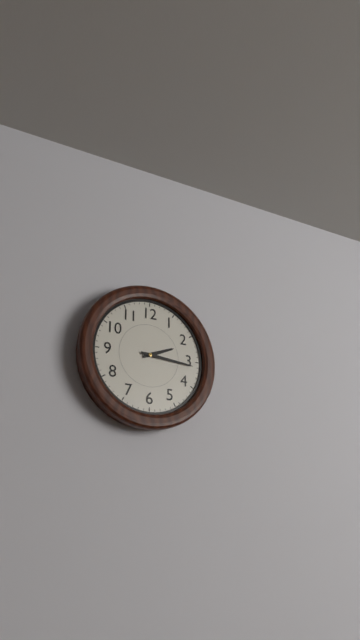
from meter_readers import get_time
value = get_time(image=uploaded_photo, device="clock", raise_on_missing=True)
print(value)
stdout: 2:16
